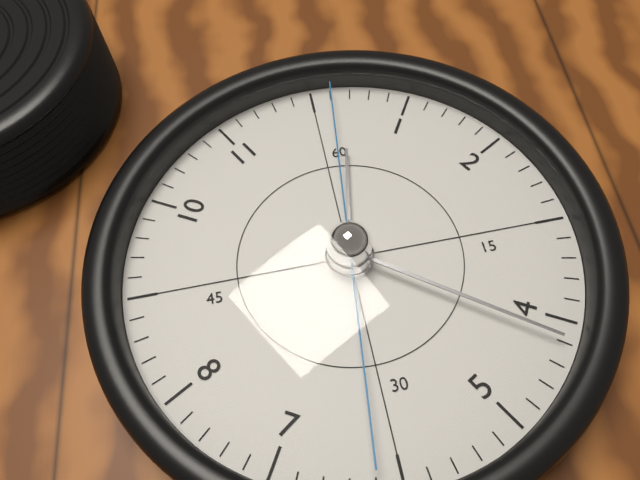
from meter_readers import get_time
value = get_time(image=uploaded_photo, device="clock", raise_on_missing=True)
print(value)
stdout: 12:21:01
